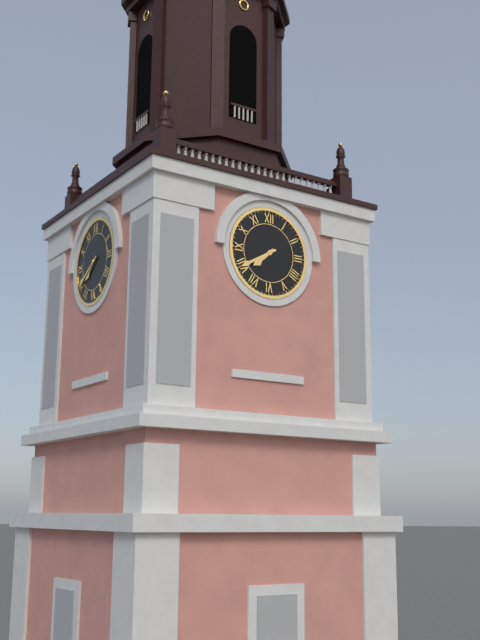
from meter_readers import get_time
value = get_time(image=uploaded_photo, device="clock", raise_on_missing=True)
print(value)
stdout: 7:40
